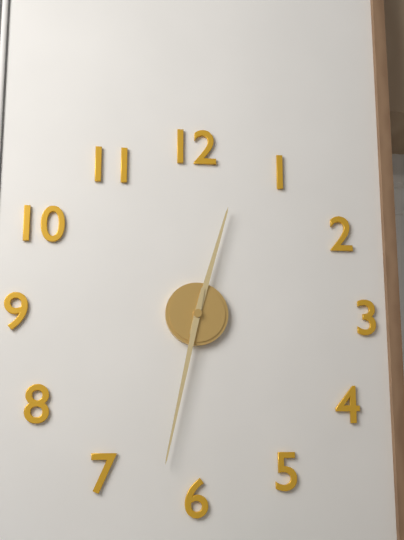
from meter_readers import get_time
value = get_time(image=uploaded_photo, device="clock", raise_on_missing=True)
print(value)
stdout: 12:32
